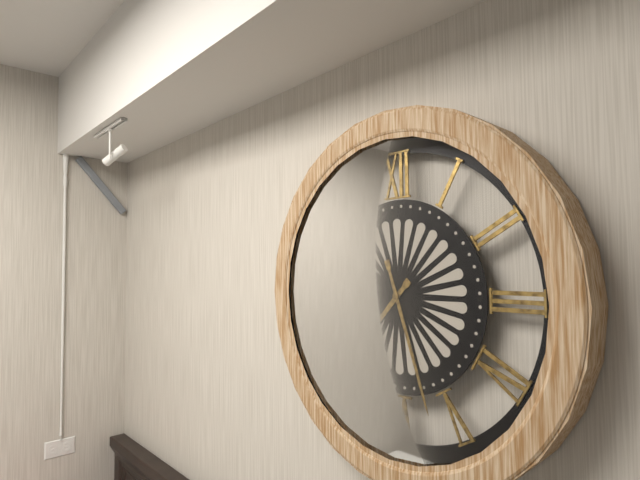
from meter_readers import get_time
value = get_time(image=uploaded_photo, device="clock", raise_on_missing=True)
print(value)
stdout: 7:27
